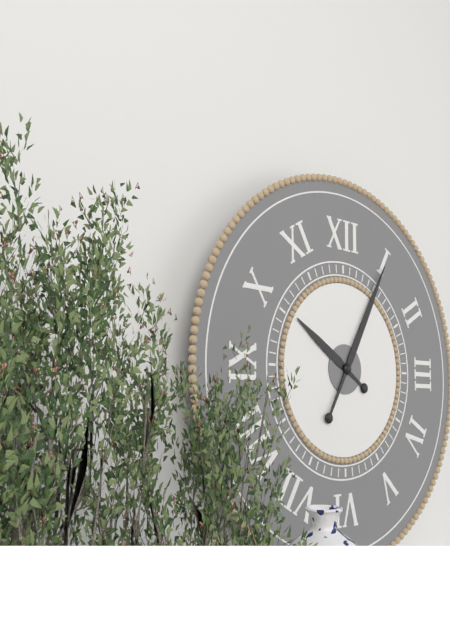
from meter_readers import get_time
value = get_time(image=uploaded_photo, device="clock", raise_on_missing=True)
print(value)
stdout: 10:05
